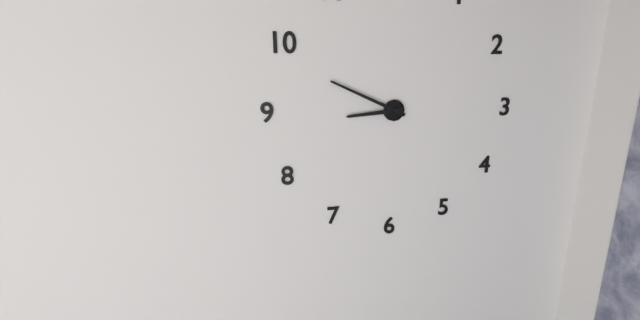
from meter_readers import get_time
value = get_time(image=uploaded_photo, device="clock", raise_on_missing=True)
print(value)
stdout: 8:49
